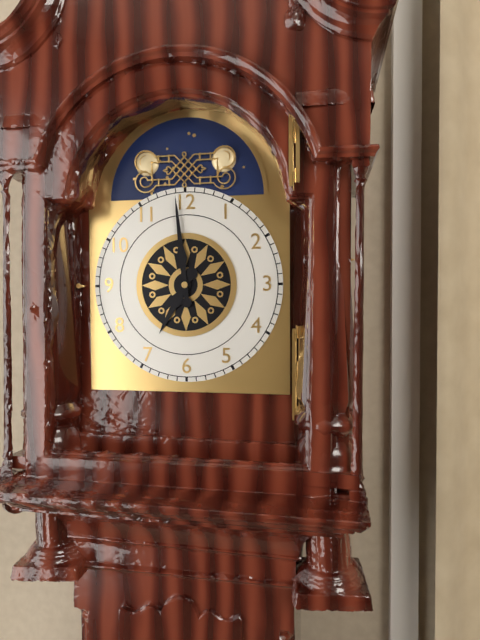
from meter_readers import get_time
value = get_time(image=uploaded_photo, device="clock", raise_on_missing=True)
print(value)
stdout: 6:59
